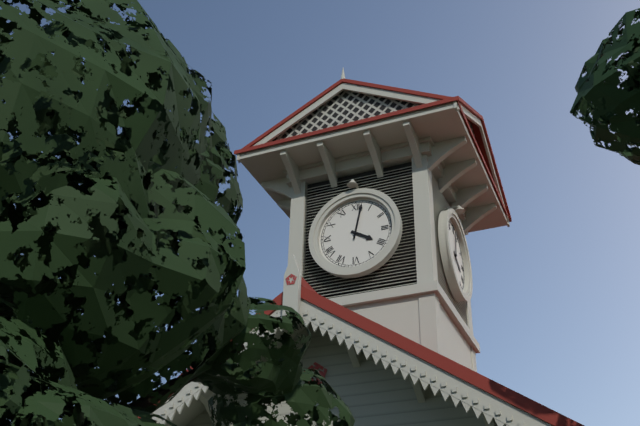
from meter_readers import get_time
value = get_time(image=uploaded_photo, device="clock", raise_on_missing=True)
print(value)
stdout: 4:02
